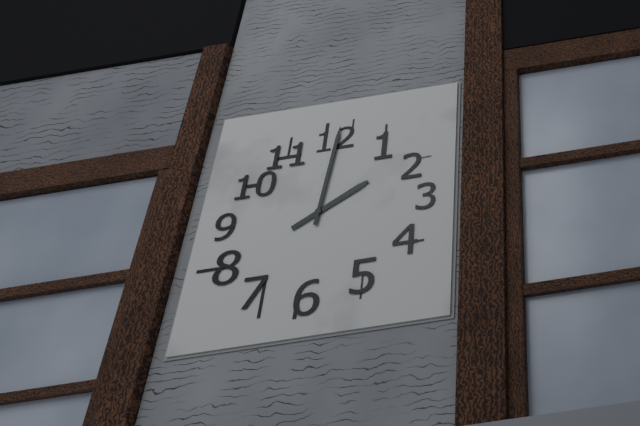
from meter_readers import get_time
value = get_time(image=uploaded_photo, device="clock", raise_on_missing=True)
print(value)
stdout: 2:01
